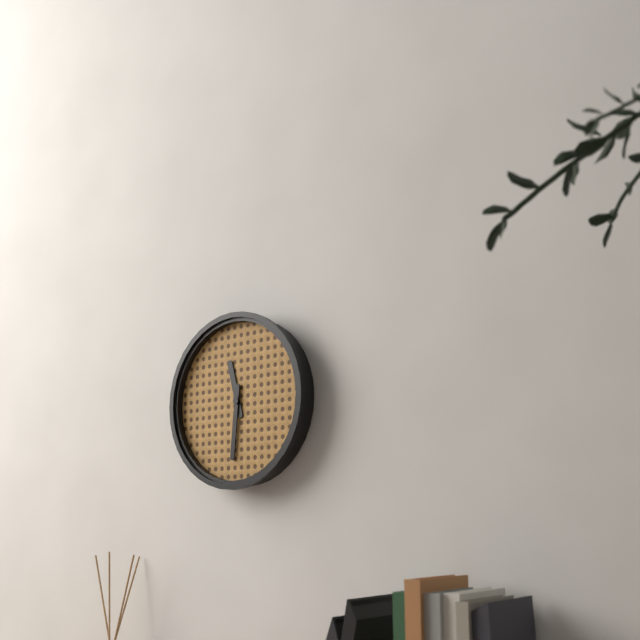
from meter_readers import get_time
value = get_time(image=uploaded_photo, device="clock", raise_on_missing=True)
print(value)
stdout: 11:31
